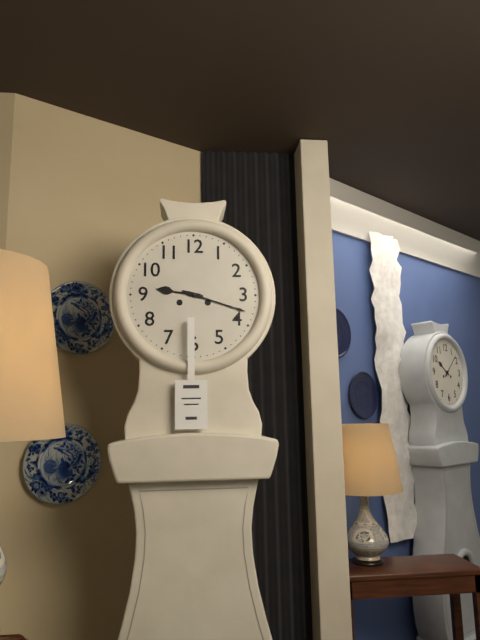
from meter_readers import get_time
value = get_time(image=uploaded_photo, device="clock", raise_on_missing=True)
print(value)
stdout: 9:18
